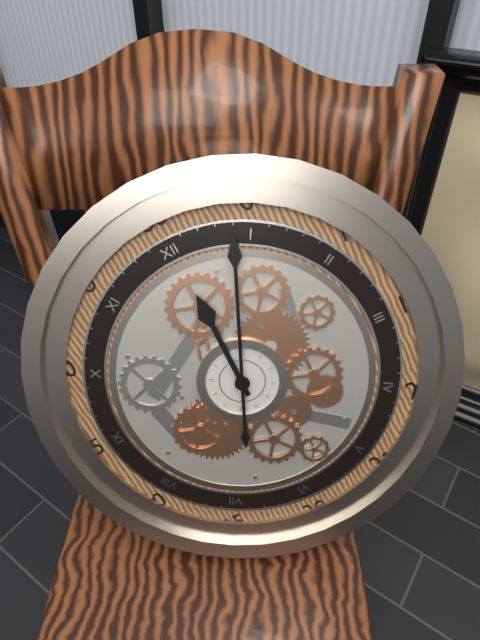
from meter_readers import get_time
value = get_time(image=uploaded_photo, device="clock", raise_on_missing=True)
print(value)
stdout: 12:04
